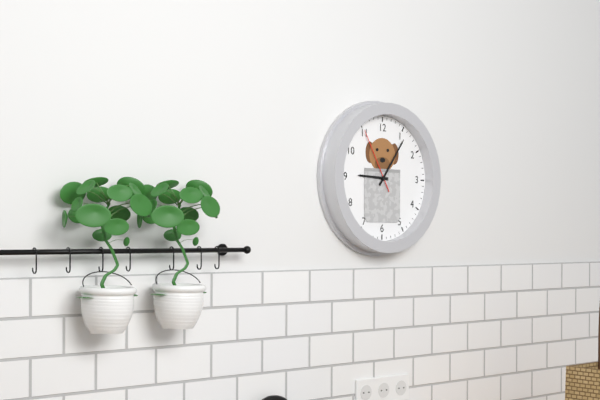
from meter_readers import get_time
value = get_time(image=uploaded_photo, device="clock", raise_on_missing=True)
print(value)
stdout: 9:06:55
